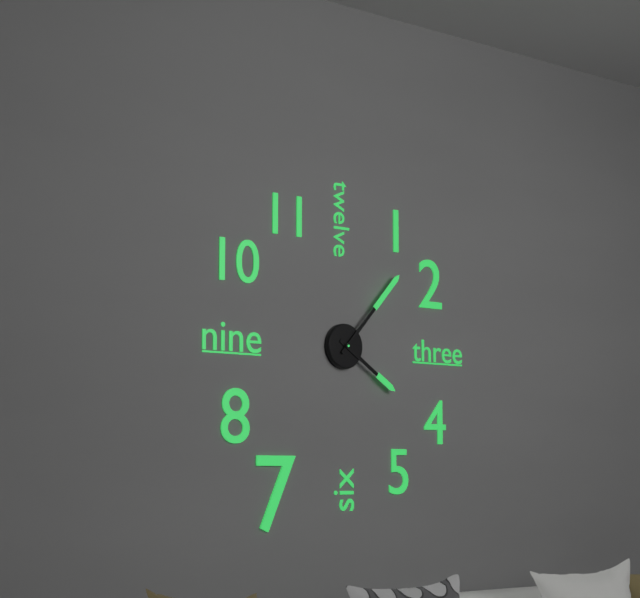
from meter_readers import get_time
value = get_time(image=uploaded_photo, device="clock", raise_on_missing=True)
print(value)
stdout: 4:07
